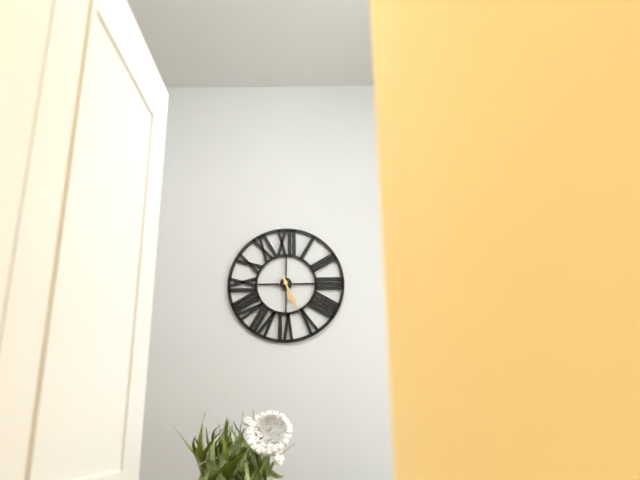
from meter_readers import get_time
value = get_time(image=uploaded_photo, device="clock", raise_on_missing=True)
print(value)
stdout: 5:26
